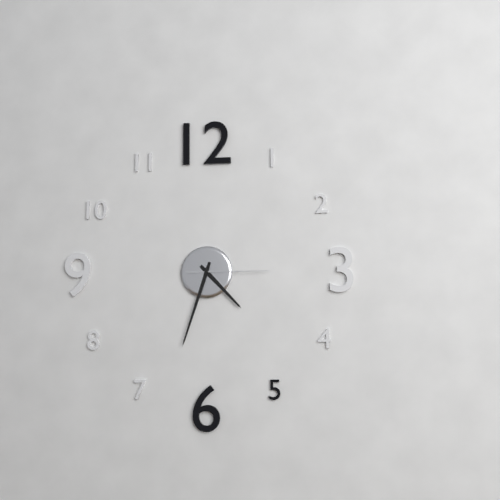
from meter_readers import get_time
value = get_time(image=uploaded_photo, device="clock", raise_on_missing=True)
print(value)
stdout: 4:33:15
